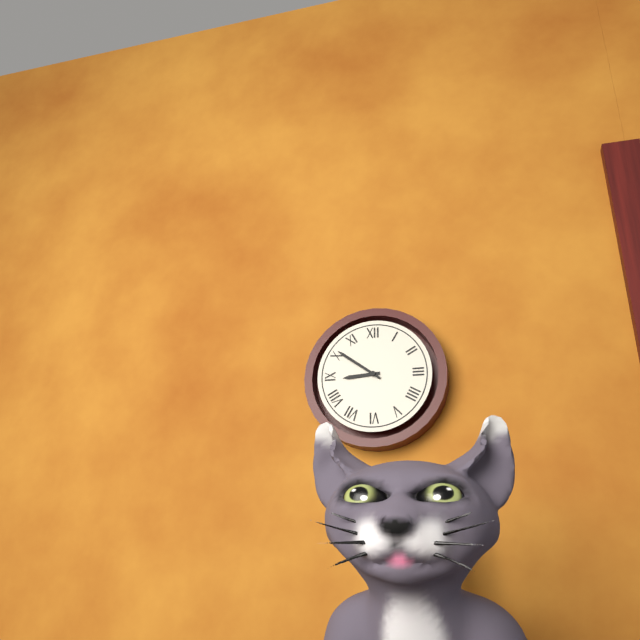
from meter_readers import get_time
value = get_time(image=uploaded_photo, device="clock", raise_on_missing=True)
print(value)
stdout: 8:51
